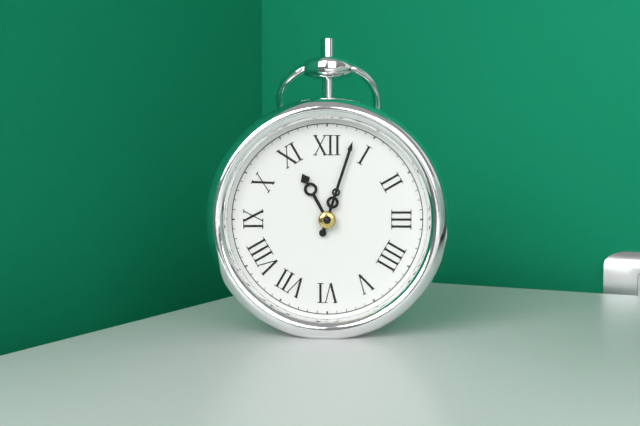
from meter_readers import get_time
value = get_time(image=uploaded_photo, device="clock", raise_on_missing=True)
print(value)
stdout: 11:03
